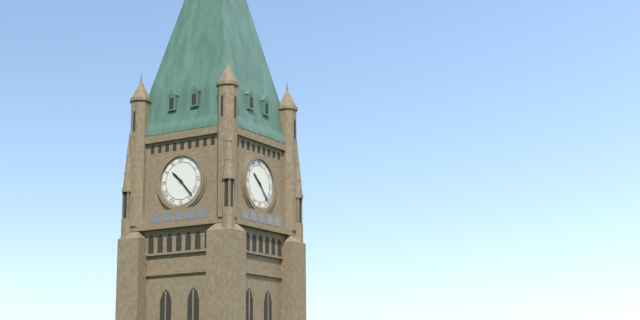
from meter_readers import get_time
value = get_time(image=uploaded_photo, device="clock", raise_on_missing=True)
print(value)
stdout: 10:23
